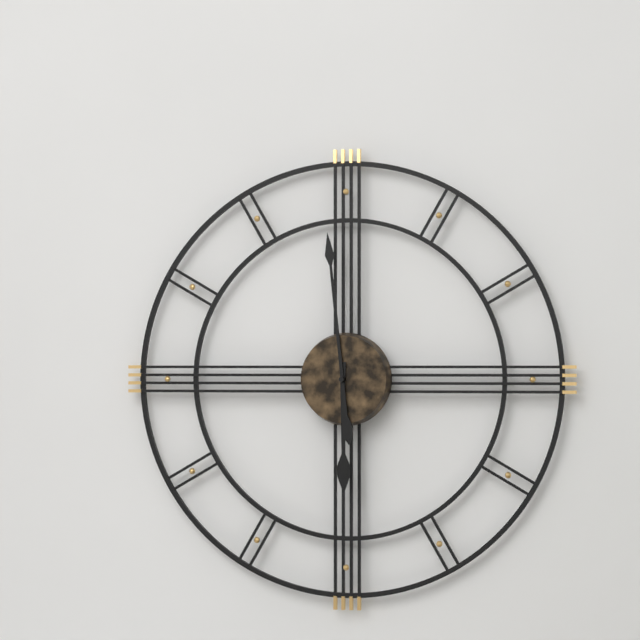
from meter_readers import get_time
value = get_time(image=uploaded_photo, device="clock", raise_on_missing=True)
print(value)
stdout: 5:59
